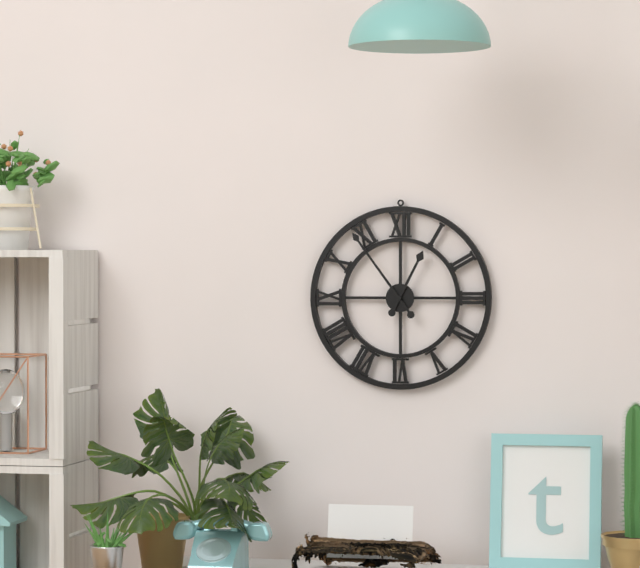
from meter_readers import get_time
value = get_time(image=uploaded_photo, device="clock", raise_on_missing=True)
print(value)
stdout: 12:54
